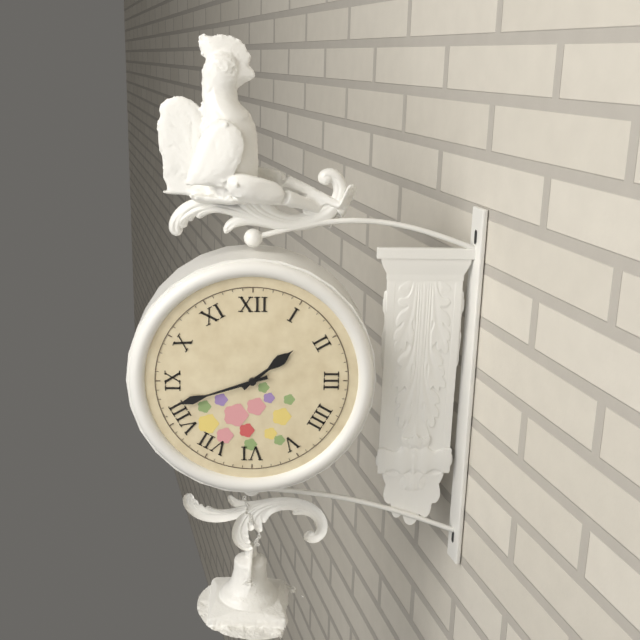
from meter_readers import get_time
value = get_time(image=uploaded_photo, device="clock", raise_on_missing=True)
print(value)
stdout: 1:42
